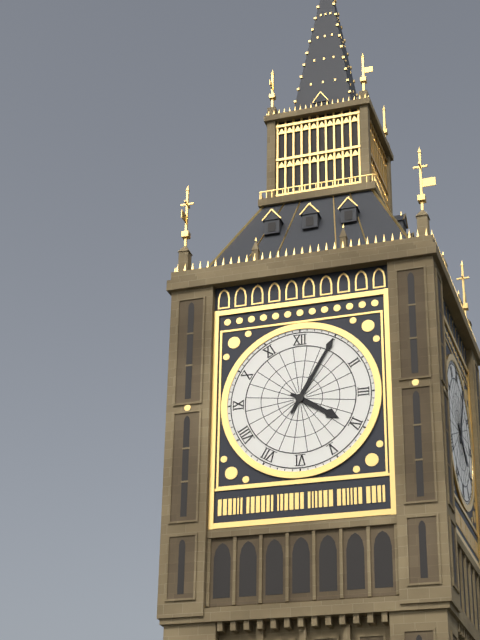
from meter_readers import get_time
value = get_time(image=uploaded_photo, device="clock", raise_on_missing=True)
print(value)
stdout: 4:05
